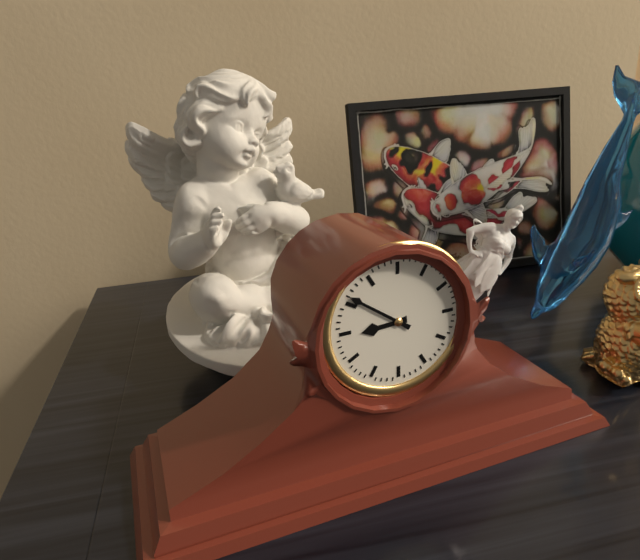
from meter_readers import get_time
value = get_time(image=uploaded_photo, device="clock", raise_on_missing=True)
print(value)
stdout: 8:51
